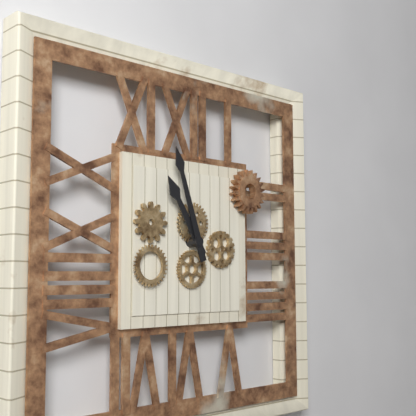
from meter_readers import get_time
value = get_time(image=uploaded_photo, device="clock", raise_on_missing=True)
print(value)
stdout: 10:57
